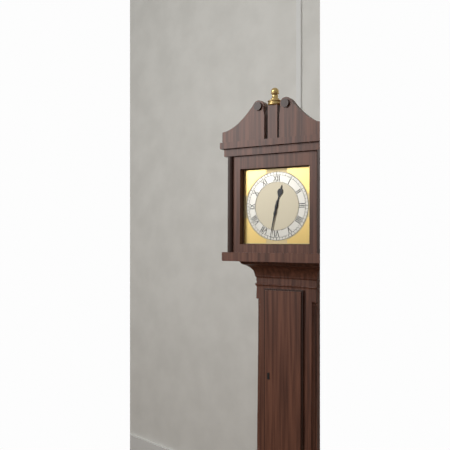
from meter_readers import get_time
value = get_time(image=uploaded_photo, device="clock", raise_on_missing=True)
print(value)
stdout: 12:32
